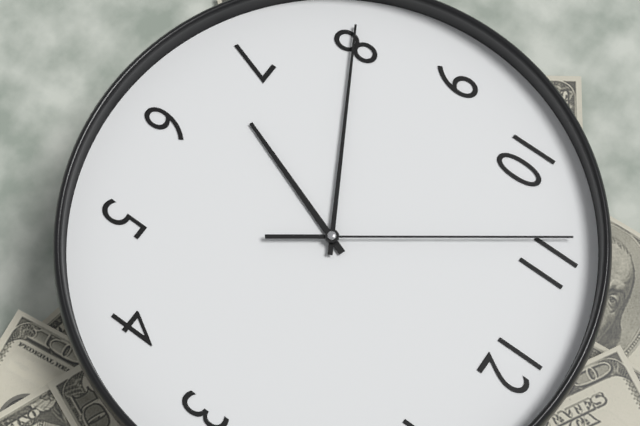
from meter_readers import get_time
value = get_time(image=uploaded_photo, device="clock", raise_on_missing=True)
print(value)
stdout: 6:40:54
